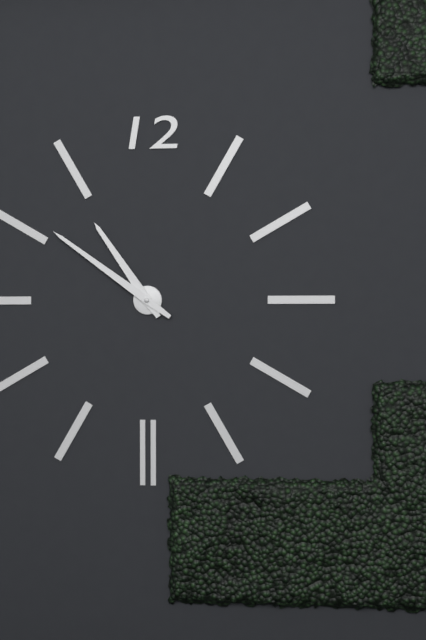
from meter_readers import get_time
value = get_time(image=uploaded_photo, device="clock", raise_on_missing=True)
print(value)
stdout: 10:51
